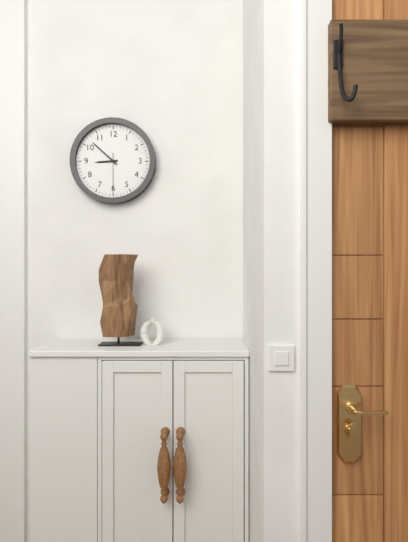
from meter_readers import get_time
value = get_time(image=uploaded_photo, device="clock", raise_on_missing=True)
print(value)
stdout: 8:52
